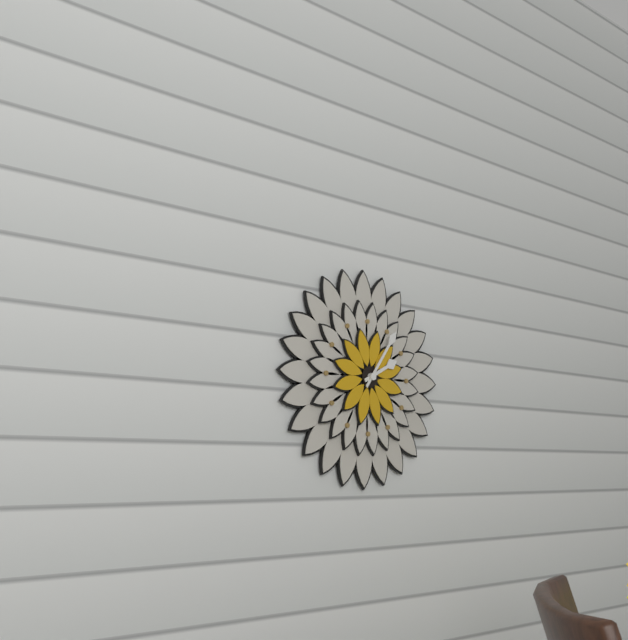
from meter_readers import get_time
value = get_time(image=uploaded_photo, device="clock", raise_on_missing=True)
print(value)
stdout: 2:06
